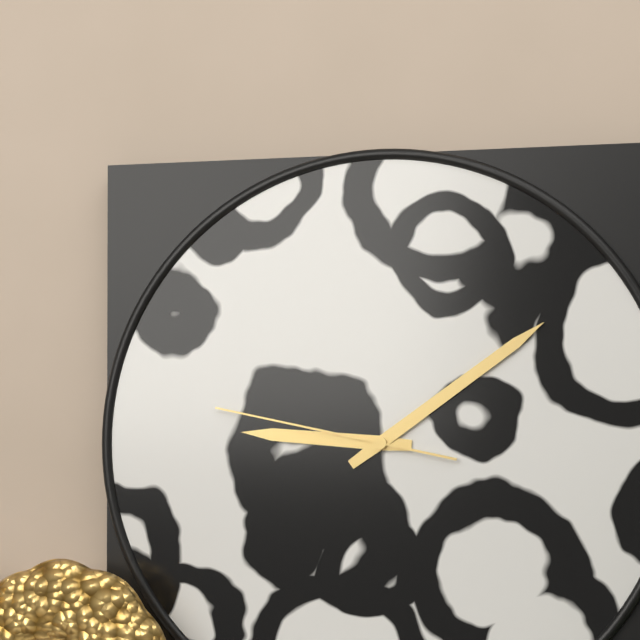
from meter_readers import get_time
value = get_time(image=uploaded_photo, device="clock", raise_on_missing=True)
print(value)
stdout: 9:09:47
